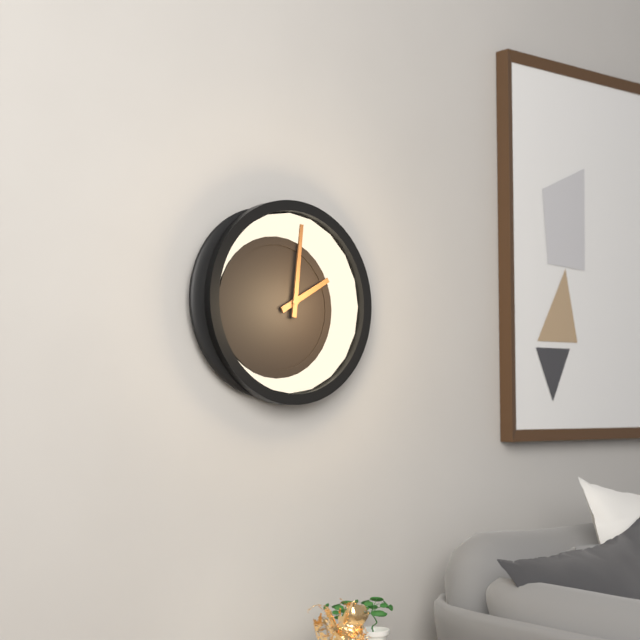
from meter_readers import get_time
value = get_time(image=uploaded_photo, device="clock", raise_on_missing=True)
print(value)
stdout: 2:01
